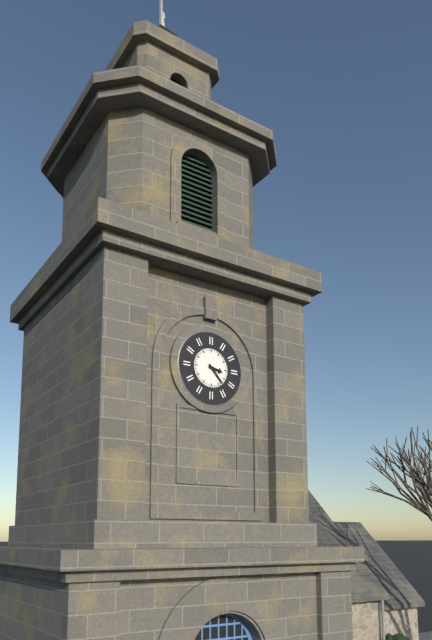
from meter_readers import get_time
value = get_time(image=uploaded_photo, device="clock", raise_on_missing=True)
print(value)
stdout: 3:23
